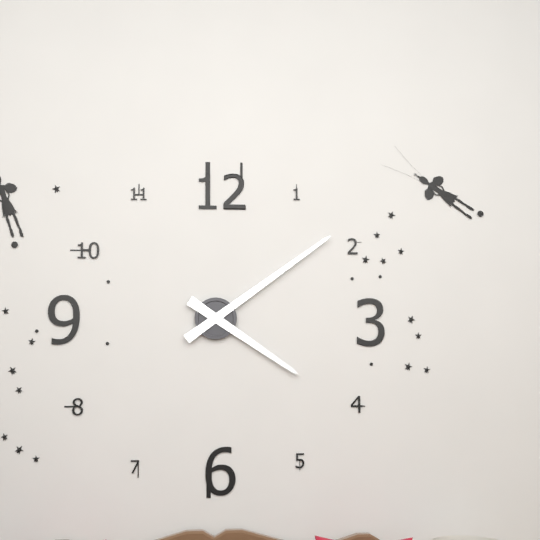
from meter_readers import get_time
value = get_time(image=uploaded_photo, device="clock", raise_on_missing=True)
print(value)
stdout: 4:09
